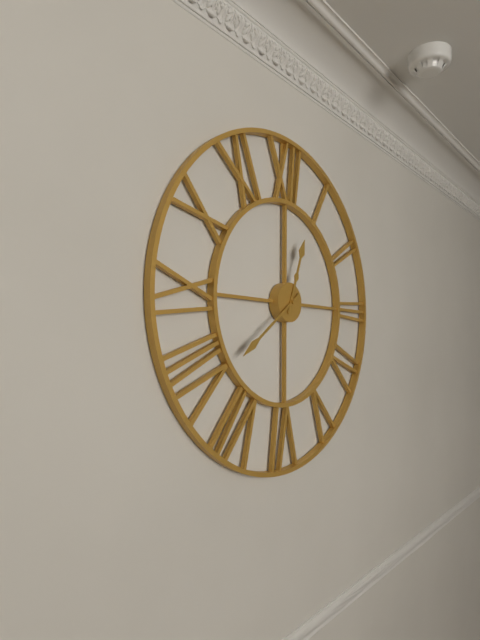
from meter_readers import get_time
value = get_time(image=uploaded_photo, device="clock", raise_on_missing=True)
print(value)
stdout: 12:39
